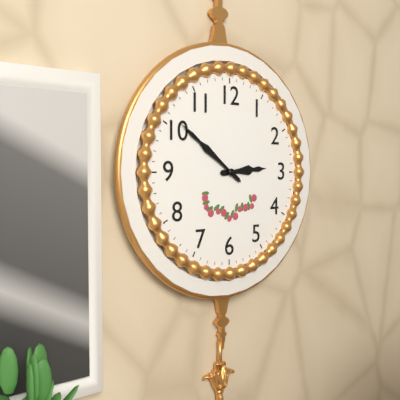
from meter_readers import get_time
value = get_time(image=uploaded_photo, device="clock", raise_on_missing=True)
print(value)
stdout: 2:51
